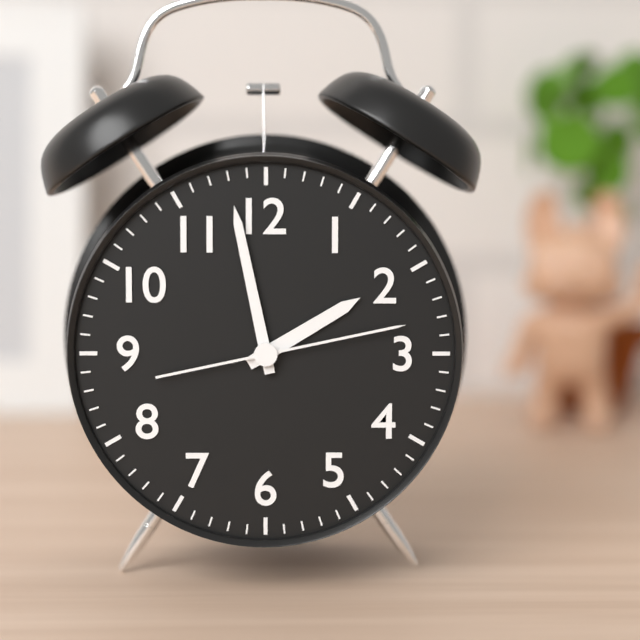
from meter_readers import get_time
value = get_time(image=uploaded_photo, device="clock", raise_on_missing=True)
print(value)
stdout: 1:58:13
